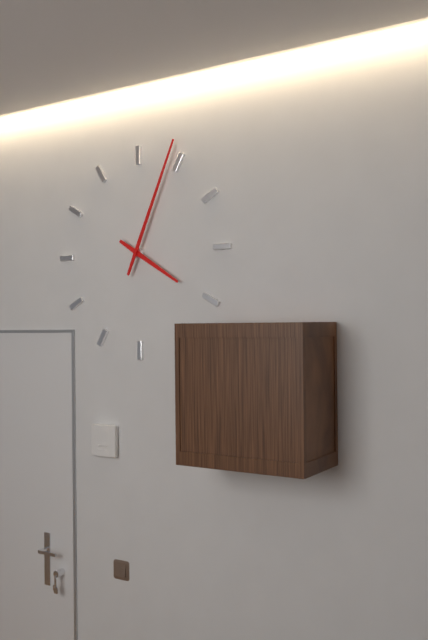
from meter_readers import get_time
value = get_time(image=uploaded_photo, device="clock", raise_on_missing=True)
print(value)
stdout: 4:04
